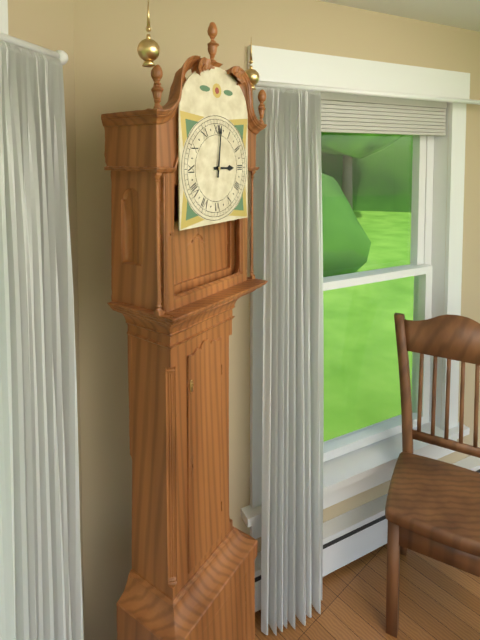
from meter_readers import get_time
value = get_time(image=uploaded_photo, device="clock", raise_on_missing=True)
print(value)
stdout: 3:01
